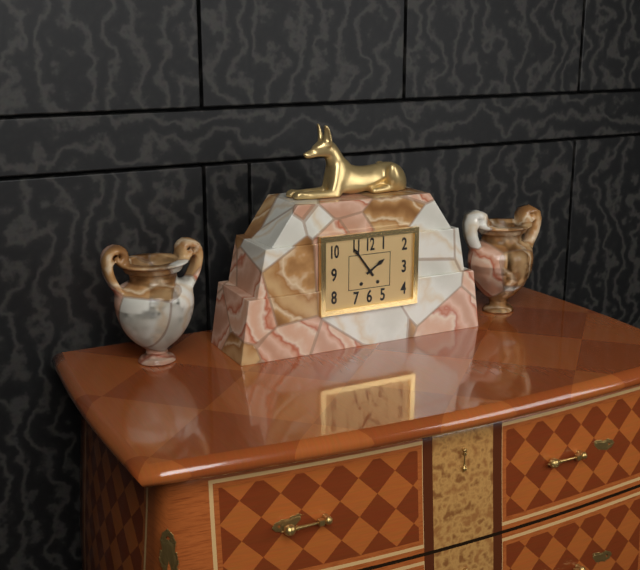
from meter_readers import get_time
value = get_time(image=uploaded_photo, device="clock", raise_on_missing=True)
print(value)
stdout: 1:54
